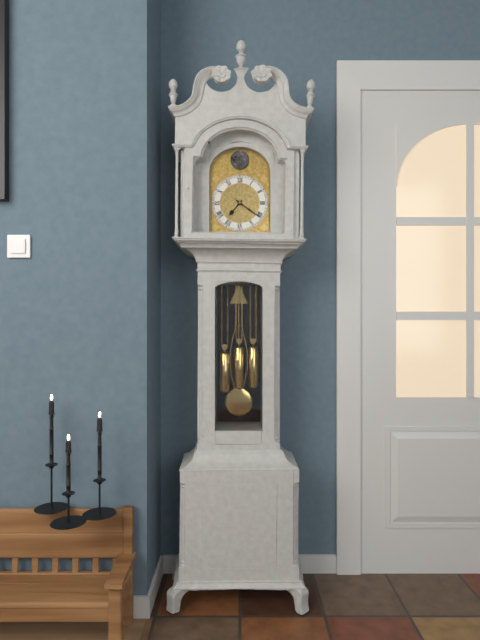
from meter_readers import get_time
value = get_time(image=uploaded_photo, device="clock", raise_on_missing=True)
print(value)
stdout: 7:21
